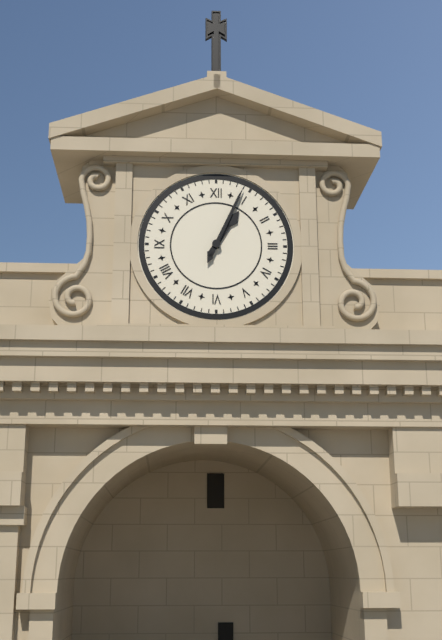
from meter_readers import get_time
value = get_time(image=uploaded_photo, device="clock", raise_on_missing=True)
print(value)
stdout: 1:04
